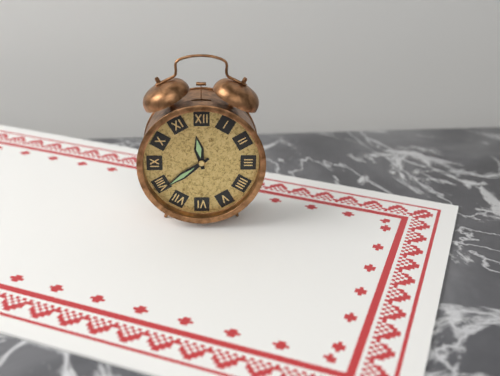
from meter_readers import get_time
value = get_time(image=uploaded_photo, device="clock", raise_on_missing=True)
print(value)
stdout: 11:39
